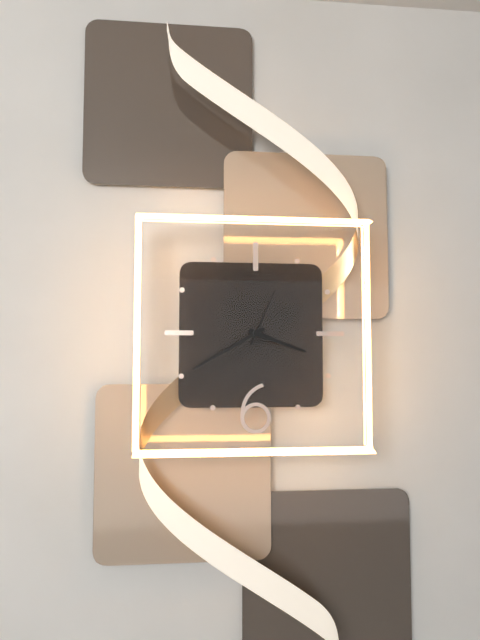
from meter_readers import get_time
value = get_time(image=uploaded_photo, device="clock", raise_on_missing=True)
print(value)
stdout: 3:40:04
